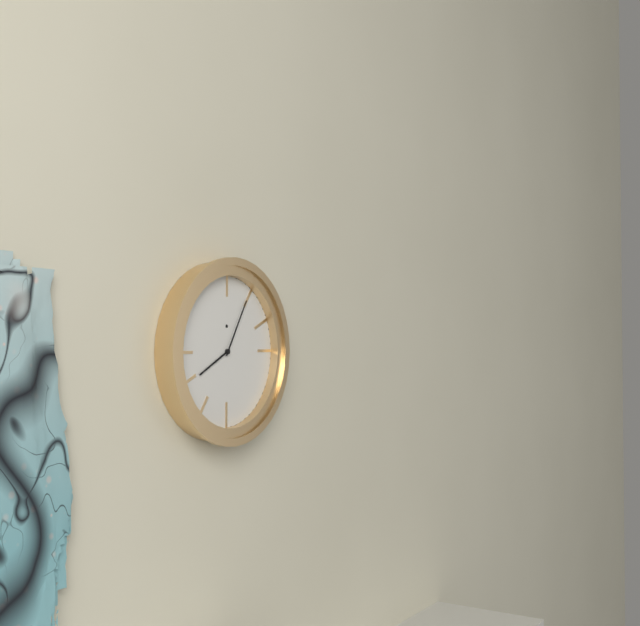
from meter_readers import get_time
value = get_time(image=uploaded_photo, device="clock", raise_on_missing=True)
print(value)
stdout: 8:05
